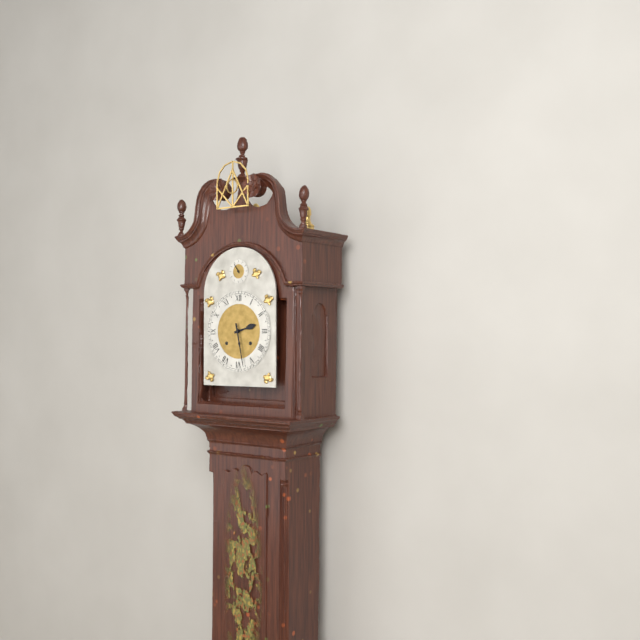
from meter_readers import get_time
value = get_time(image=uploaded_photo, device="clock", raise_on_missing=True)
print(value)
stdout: 2:28
